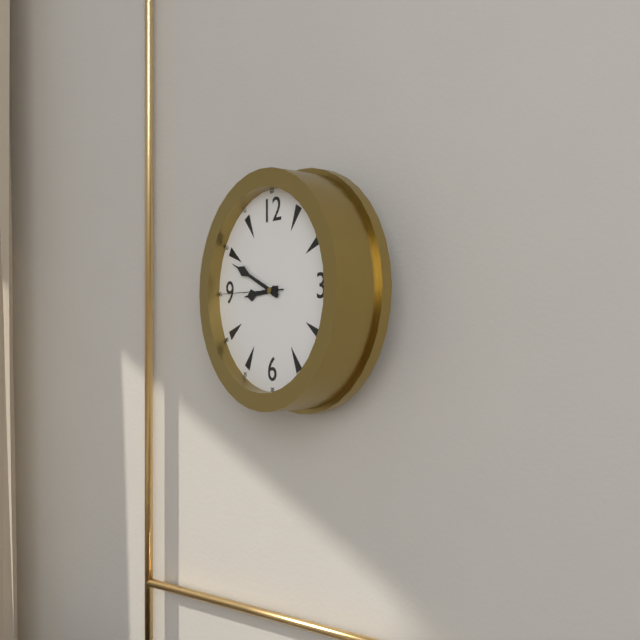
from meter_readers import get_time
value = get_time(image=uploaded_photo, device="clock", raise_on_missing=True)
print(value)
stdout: 8:49:45
